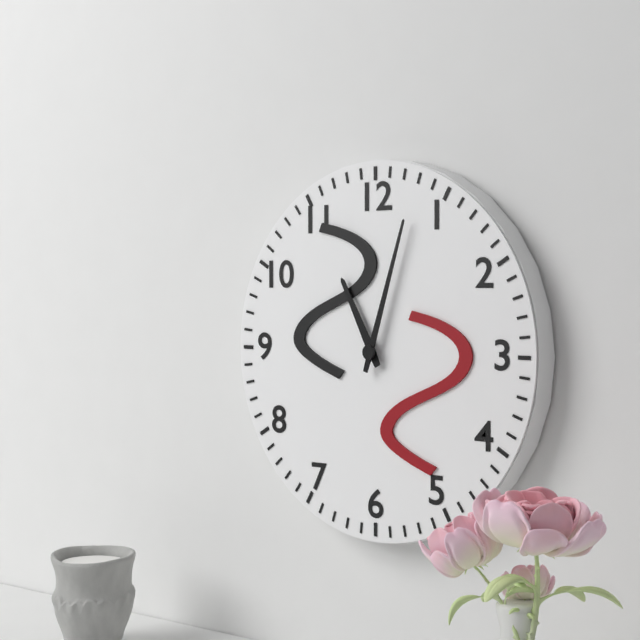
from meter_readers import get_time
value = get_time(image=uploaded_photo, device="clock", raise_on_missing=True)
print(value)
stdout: 11:03
